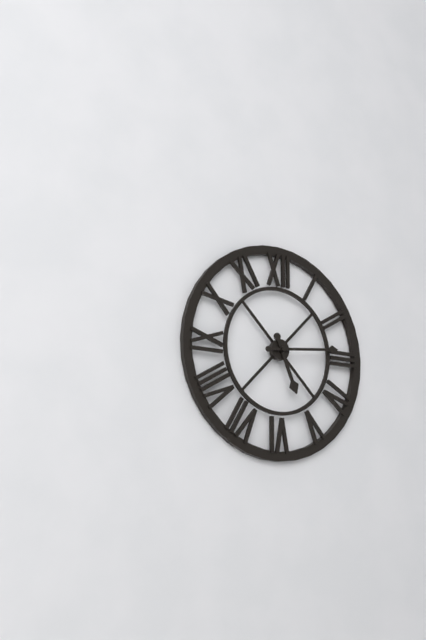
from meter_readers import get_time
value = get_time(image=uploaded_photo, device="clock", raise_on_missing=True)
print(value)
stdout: 5:14
